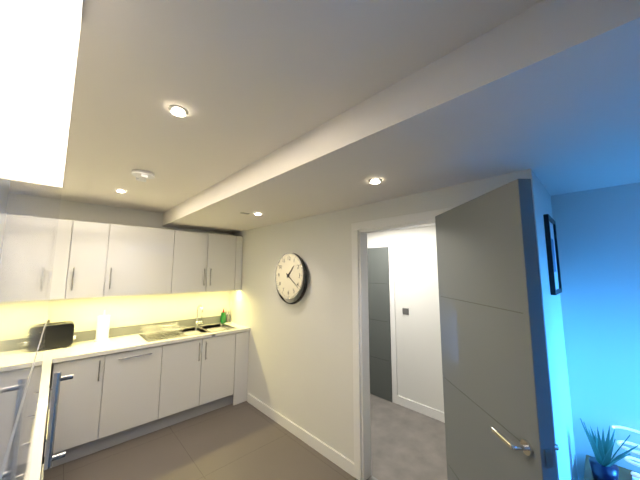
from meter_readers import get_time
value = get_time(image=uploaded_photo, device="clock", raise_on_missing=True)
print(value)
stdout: 1:21
